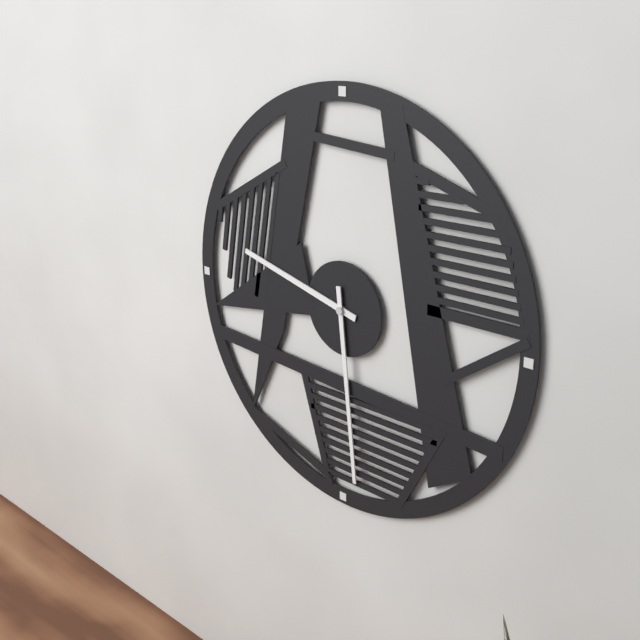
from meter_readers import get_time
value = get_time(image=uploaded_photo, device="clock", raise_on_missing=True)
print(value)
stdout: 9:29
